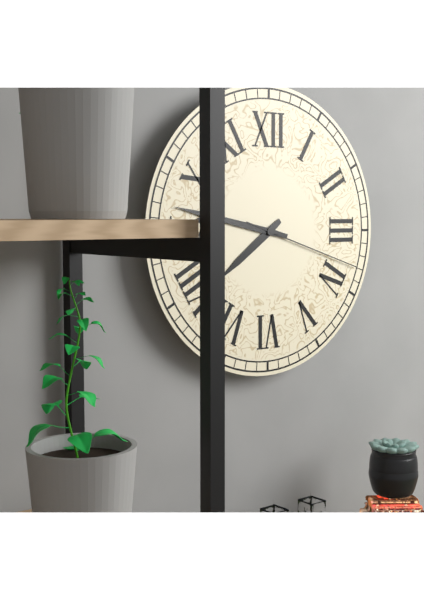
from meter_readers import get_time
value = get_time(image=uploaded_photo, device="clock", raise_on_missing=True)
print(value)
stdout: 7:47:18
